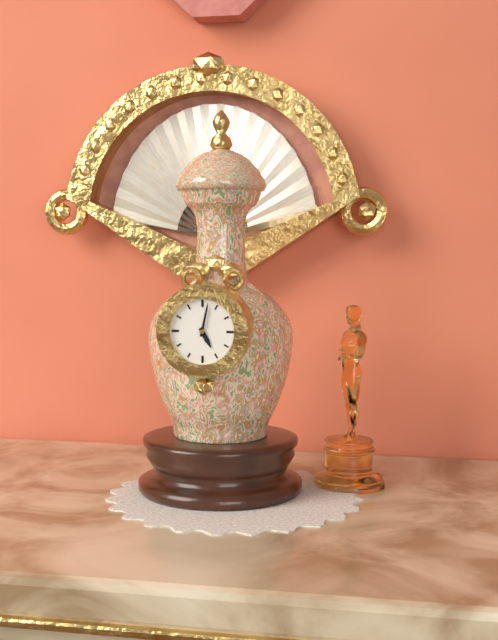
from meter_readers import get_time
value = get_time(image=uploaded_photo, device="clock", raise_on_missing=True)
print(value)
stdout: 5:02
